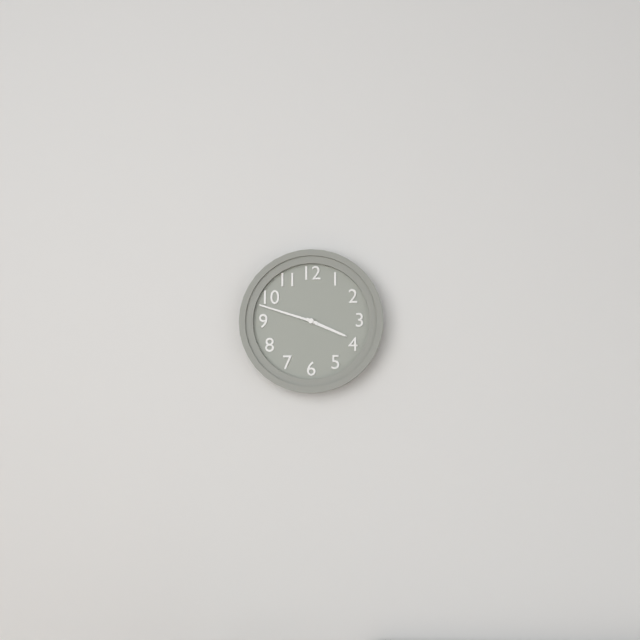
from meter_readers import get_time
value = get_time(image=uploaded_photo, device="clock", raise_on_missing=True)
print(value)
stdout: 3:48
